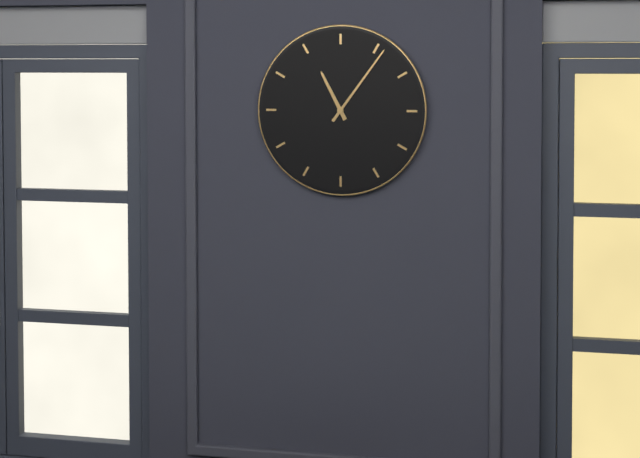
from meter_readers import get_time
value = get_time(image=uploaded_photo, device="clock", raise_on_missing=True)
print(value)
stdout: 11:06
